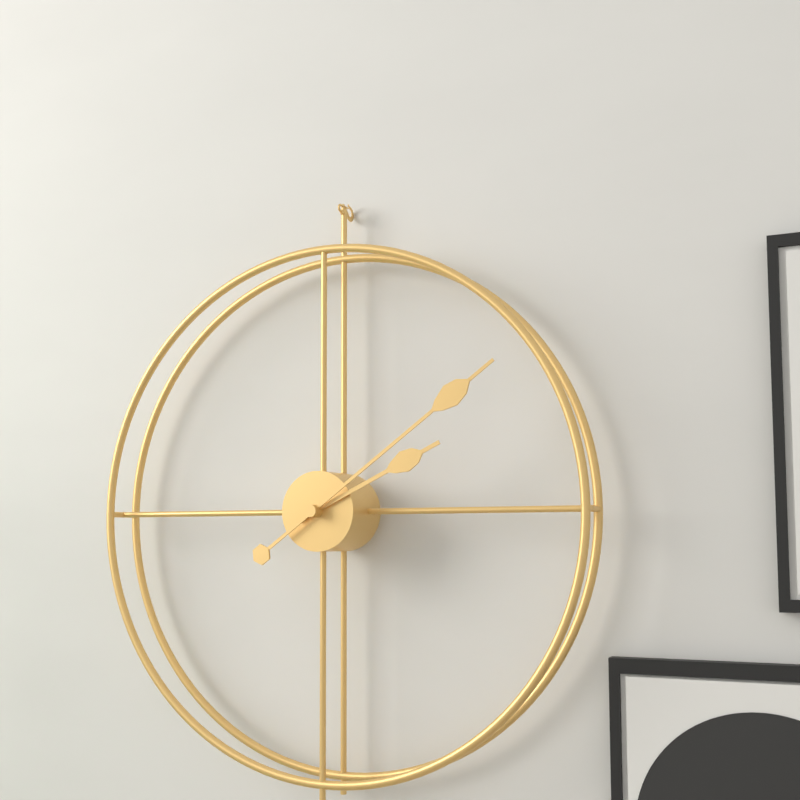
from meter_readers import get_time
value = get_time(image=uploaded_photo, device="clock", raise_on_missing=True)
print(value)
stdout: 2:09
